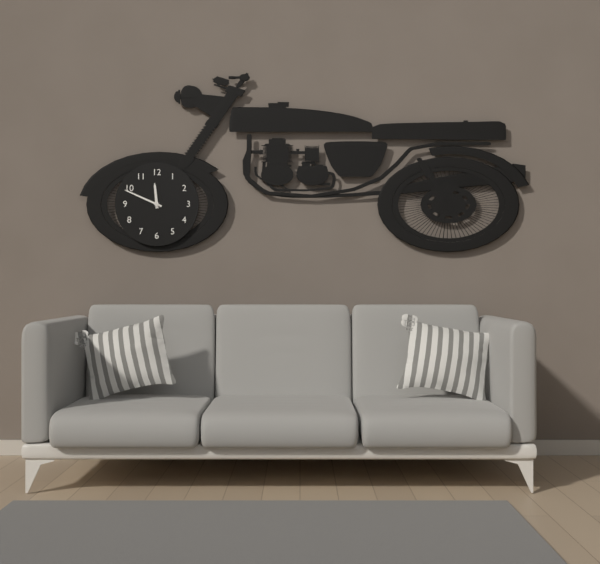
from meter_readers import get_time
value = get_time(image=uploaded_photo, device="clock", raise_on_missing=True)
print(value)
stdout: 11:49
